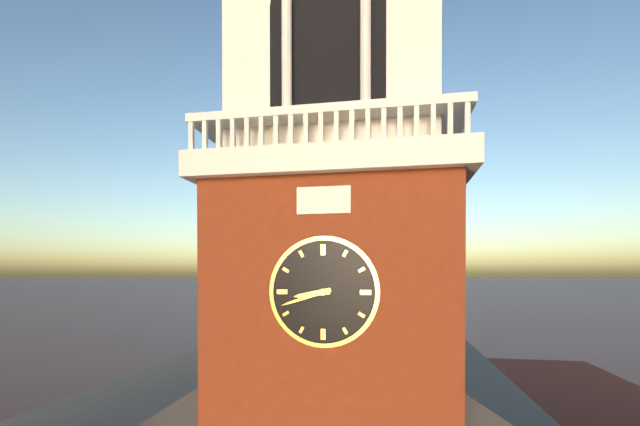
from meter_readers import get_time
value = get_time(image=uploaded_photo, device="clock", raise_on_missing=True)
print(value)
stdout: 8:42
